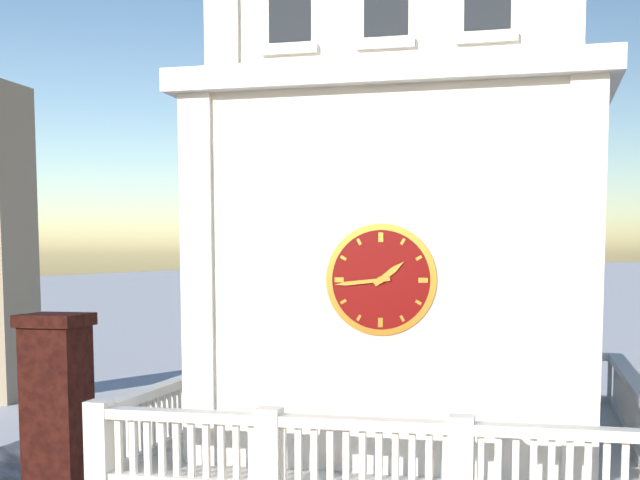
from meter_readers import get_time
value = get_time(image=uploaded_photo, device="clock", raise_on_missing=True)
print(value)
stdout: 1:44
